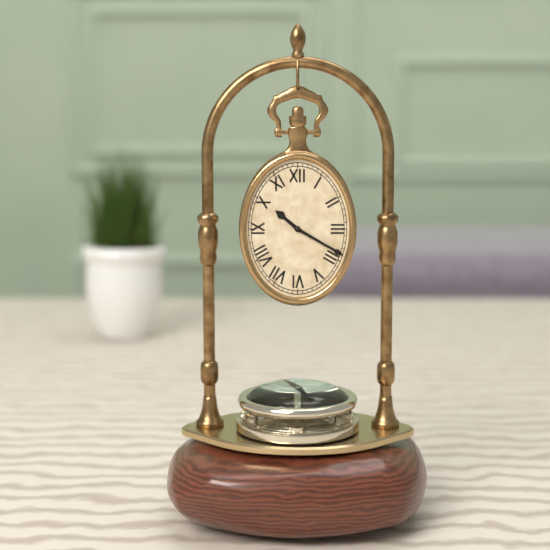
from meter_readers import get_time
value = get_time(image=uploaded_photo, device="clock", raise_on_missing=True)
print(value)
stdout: 10:20
